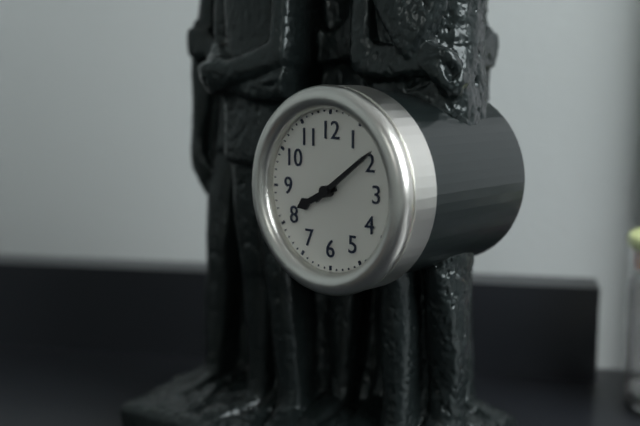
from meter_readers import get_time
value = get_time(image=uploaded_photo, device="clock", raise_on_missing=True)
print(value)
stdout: 8:09
